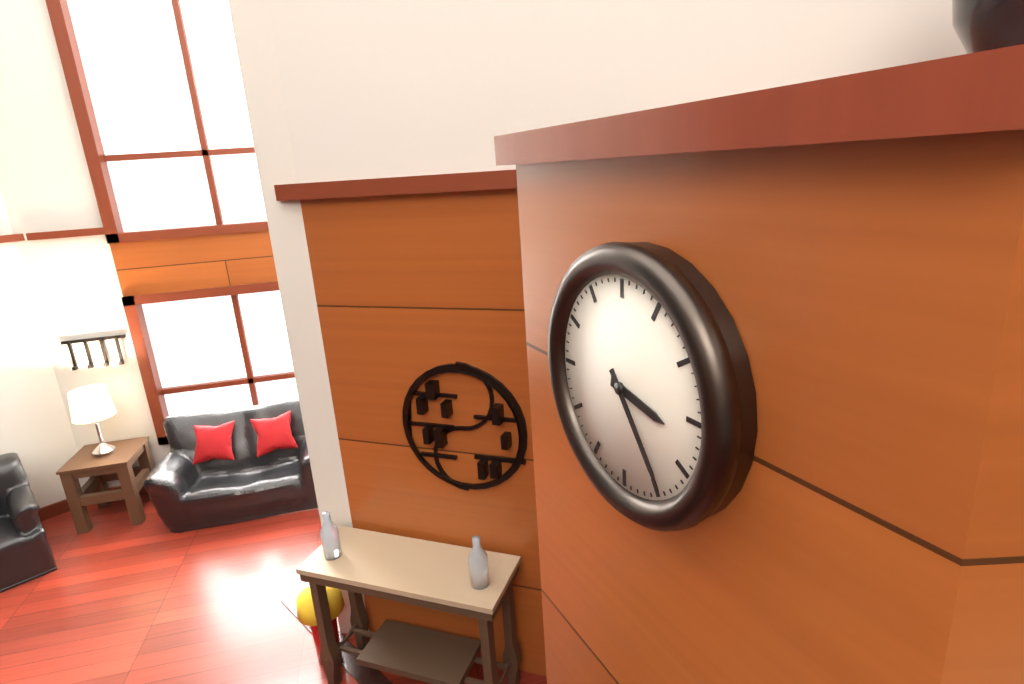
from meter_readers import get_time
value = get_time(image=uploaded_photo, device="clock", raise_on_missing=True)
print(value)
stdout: 3:24
